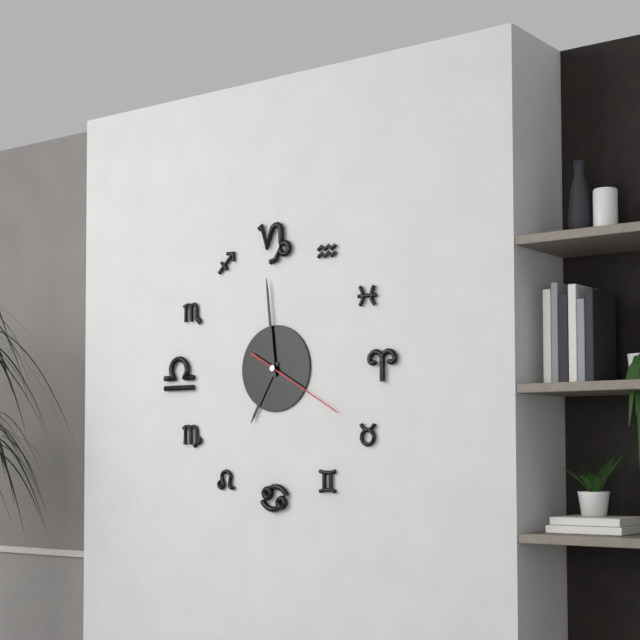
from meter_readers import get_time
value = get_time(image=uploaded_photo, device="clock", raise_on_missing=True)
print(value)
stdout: 6:59:20
